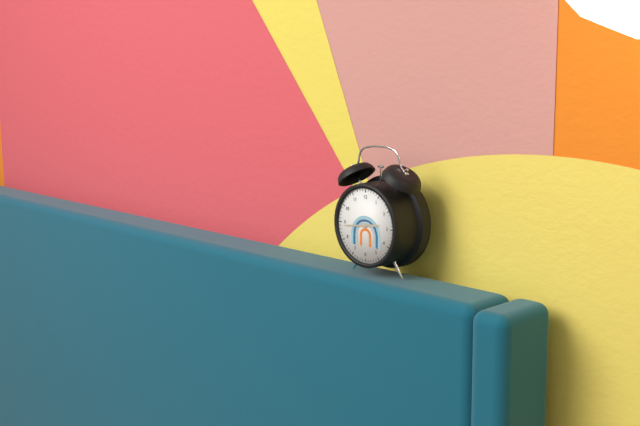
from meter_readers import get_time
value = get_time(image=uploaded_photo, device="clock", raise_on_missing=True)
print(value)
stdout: 2:44
